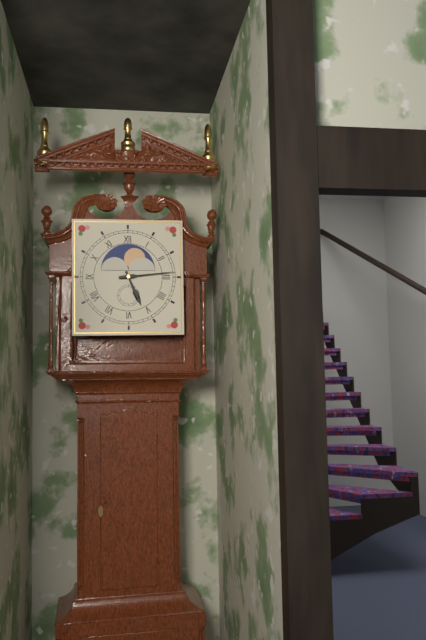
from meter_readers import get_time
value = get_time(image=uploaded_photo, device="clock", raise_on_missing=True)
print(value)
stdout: 5:14
